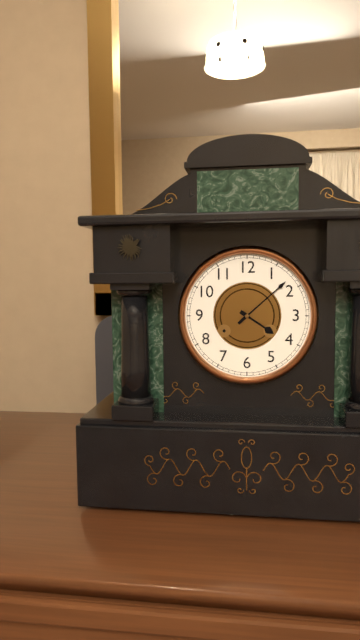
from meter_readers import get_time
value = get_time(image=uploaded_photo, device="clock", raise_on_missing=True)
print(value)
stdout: 4:08
